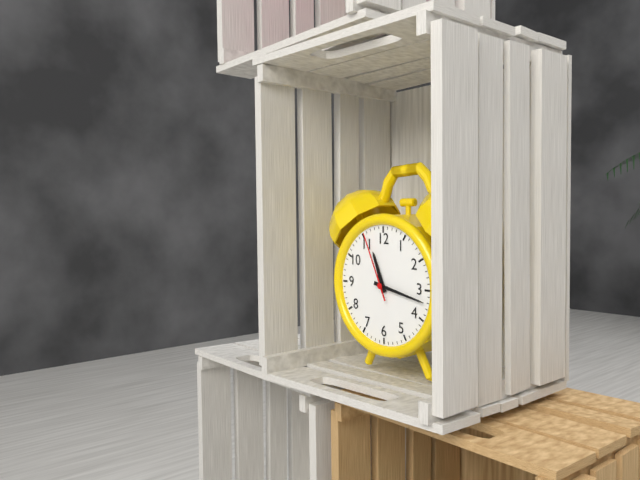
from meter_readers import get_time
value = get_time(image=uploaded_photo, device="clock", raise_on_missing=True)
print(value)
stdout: 11:17:56
